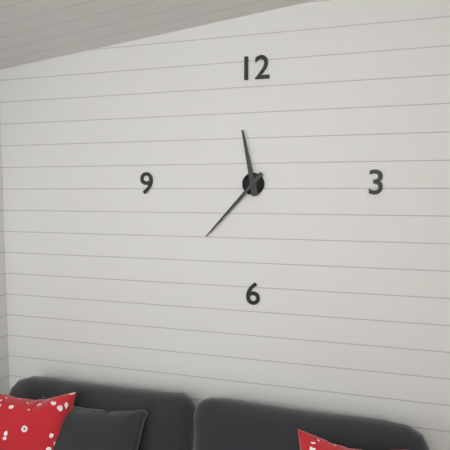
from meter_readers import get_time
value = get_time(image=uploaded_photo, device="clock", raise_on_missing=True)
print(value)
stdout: 11:37
